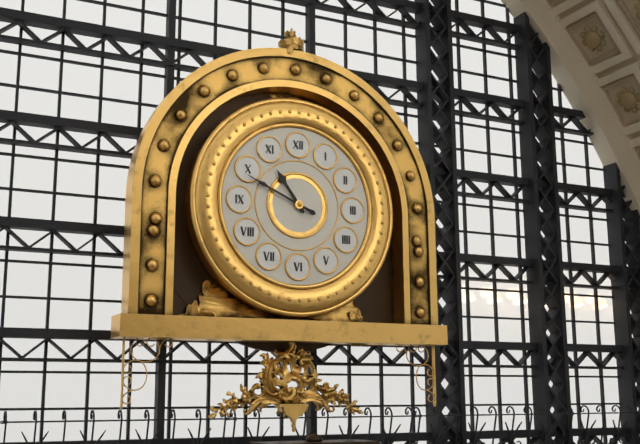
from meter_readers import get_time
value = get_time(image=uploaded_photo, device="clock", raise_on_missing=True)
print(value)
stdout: 10:49
